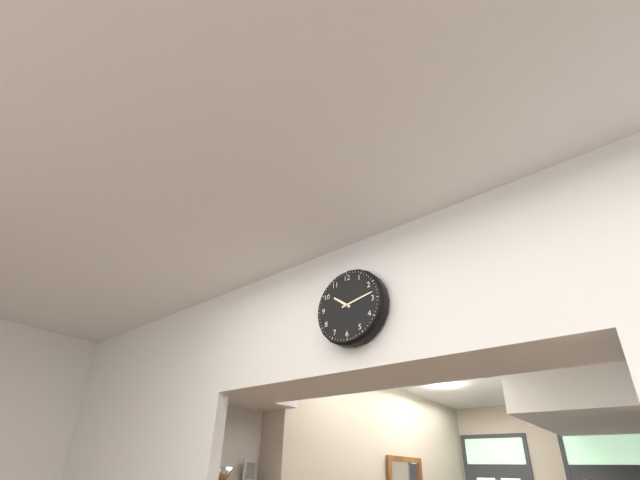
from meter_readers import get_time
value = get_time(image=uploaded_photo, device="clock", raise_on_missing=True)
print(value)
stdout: 10:13
